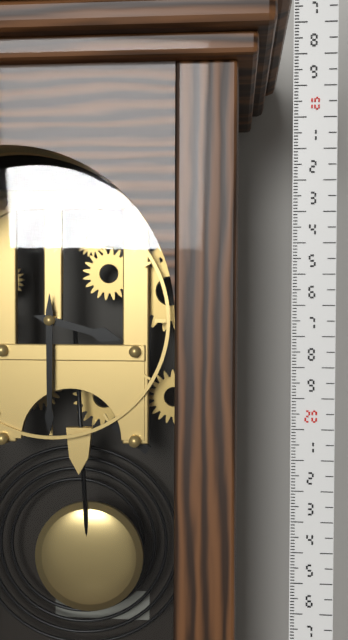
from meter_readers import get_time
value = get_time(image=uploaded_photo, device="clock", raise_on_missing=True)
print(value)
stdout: 3:30
